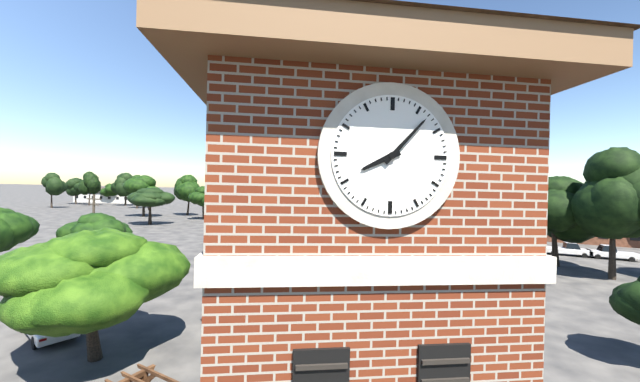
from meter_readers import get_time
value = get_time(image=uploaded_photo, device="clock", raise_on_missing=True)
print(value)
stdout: 8:07
